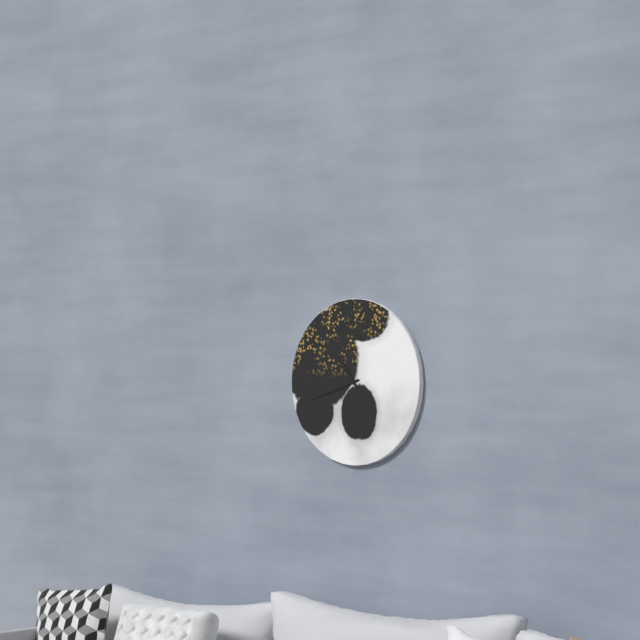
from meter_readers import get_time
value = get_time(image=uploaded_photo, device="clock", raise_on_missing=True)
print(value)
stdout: 10:42
